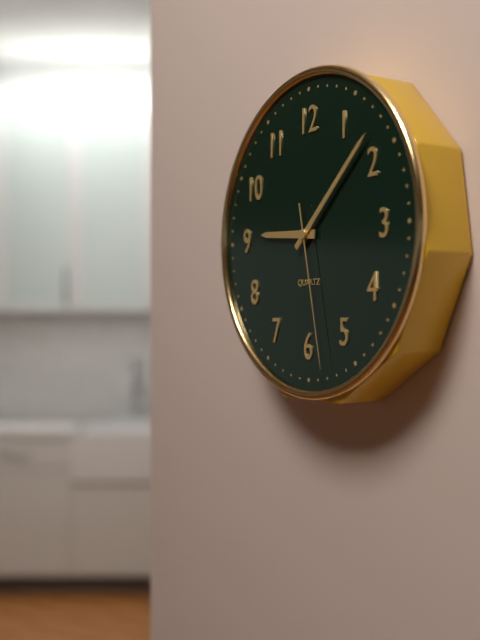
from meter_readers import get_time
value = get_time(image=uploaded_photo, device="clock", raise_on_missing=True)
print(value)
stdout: 9:08:28
